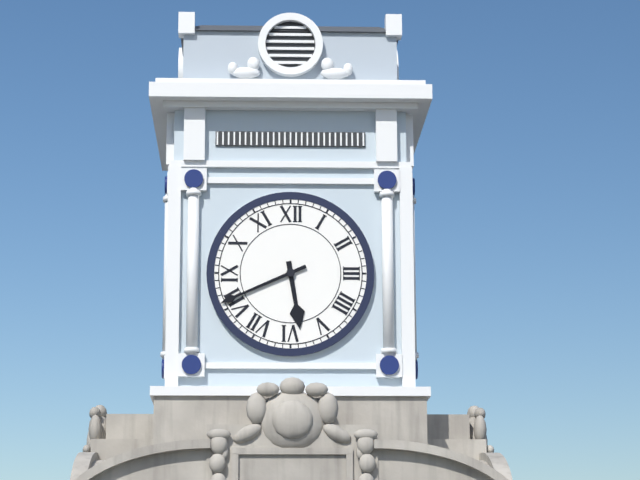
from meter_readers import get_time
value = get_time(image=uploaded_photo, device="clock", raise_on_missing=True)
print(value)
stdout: 5:41
